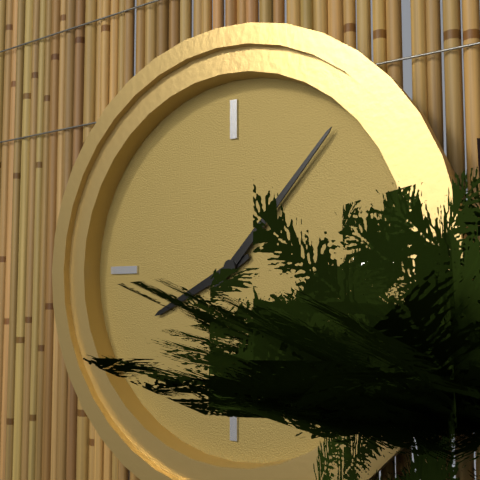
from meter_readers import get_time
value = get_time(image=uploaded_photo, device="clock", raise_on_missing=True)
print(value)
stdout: 8:07
